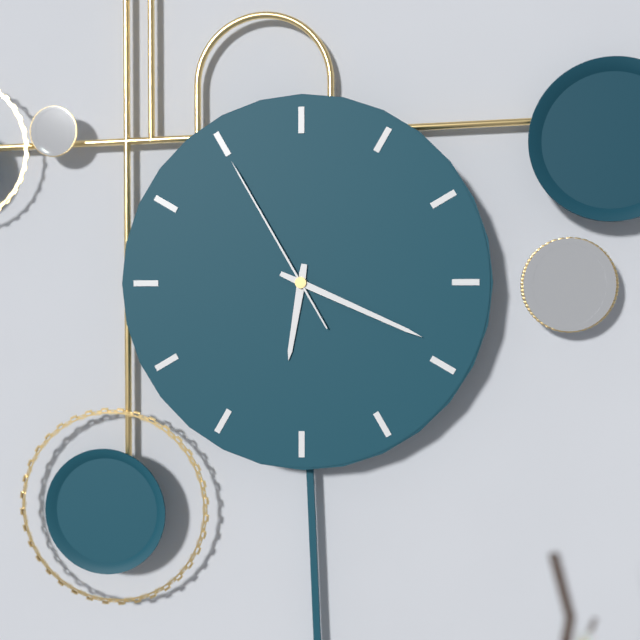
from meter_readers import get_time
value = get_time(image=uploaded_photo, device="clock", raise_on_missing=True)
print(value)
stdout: 6:19:55
